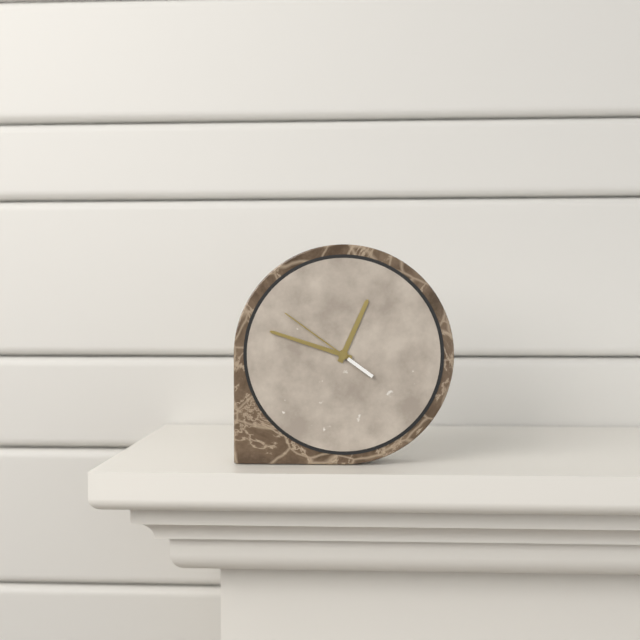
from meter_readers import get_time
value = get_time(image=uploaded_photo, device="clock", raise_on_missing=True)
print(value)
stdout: 12:48:51
